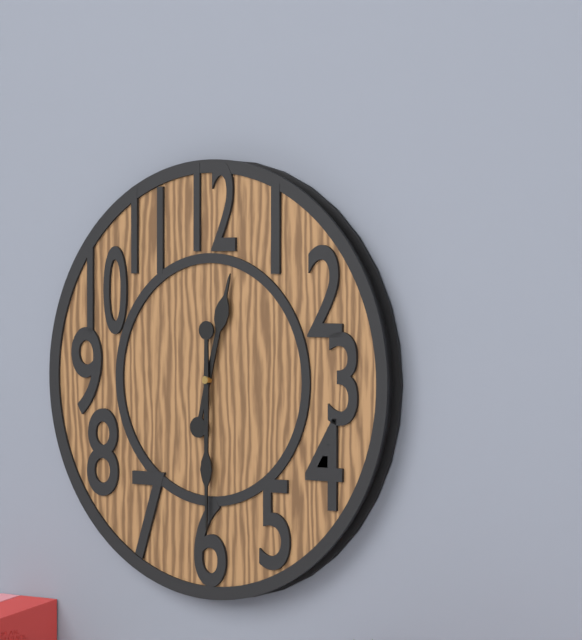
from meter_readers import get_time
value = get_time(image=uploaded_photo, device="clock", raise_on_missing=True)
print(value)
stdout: 12:30
